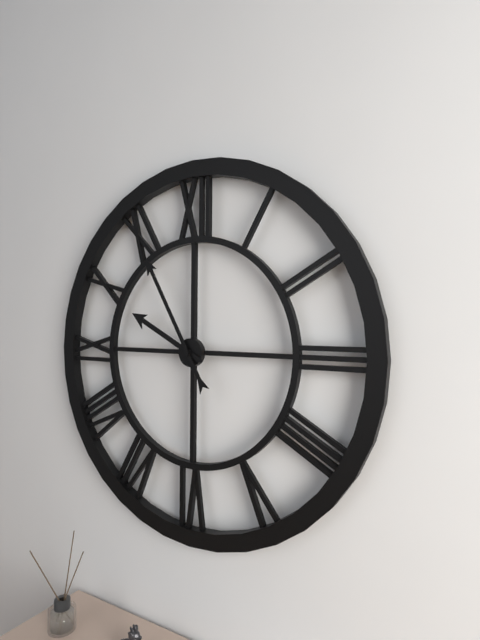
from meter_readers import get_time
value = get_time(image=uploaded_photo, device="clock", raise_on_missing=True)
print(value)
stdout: 9:55
